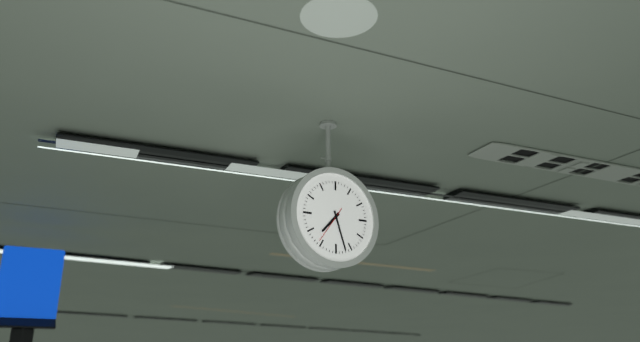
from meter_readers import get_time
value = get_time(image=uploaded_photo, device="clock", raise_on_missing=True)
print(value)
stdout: 7:27
